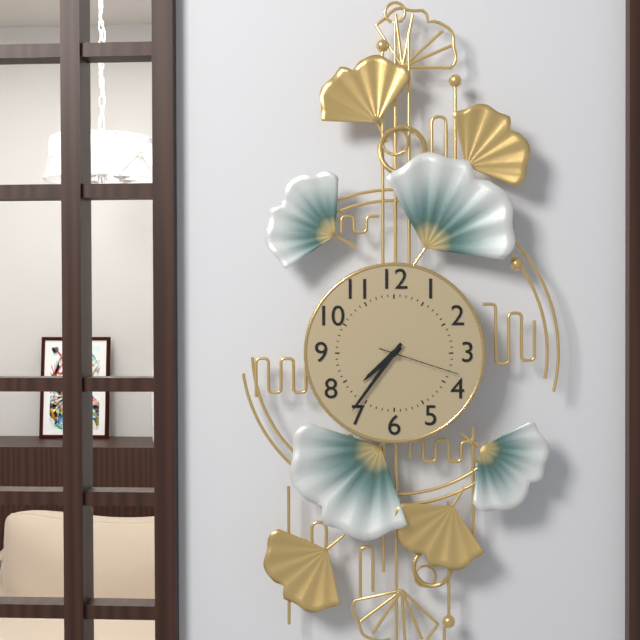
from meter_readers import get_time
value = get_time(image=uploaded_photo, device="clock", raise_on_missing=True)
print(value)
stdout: 7:36:18
